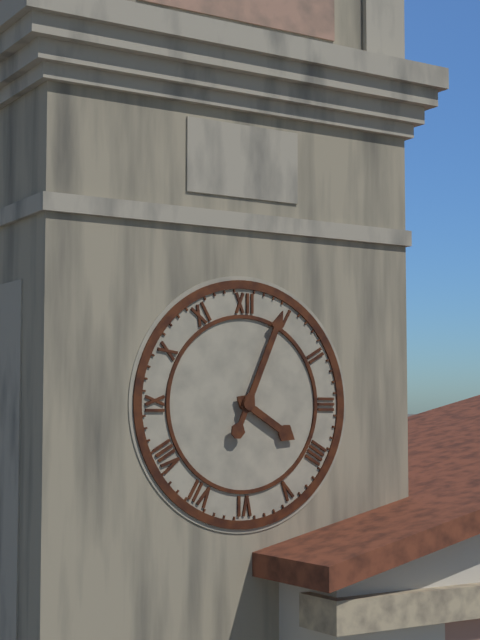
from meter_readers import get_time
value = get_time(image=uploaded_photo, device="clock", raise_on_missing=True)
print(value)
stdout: 4:04
